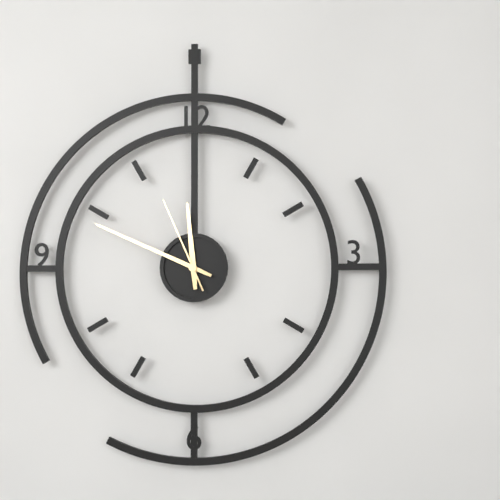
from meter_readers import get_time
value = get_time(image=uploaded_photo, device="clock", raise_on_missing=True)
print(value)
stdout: 11:49:56
